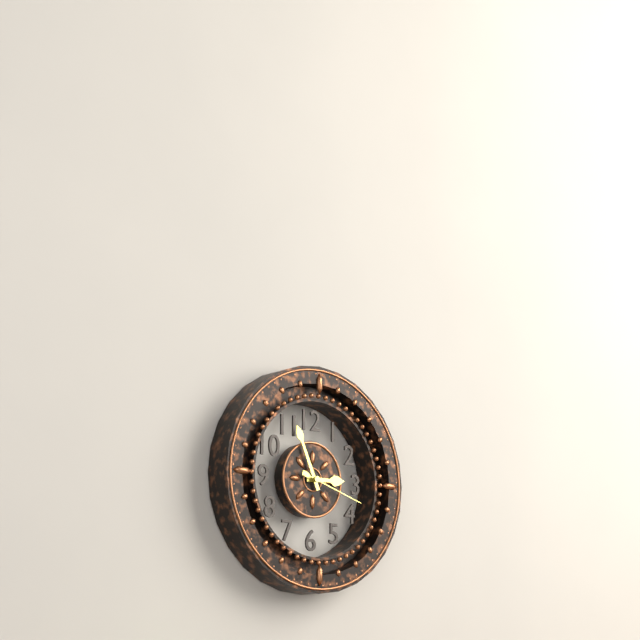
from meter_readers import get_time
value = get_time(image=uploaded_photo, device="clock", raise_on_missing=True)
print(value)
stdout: 2:56:18
